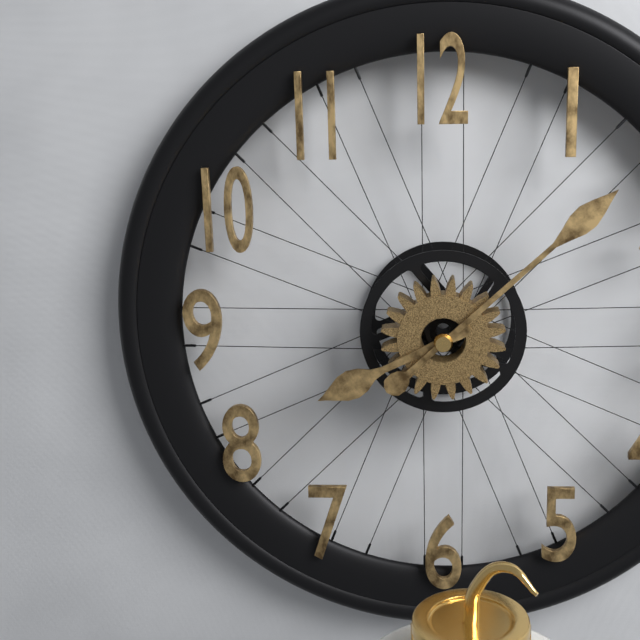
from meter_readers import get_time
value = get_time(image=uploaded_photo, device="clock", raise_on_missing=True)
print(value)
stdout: 8:08
